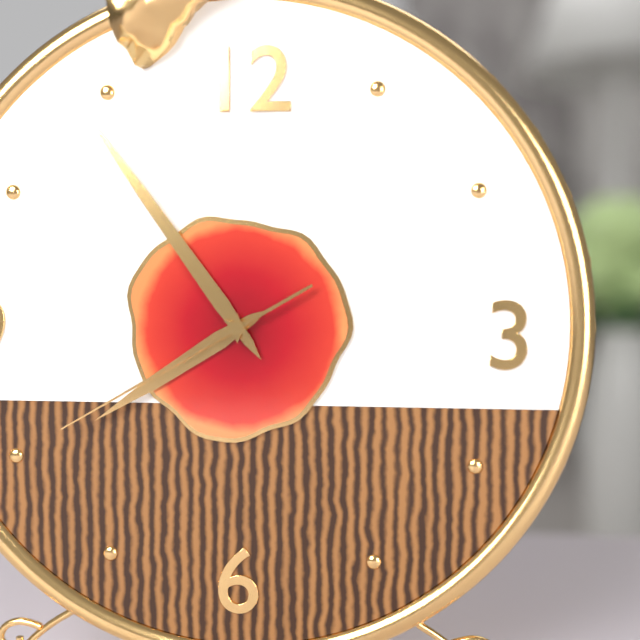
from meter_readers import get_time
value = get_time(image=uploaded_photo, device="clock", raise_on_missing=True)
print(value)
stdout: 7:54:40
